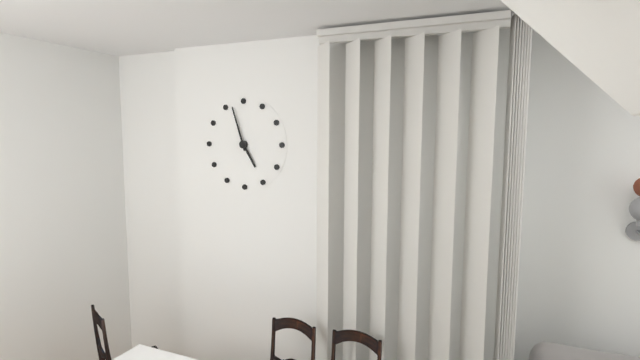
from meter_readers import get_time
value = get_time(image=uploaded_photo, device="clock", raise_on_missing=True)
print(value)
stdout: 4:57
